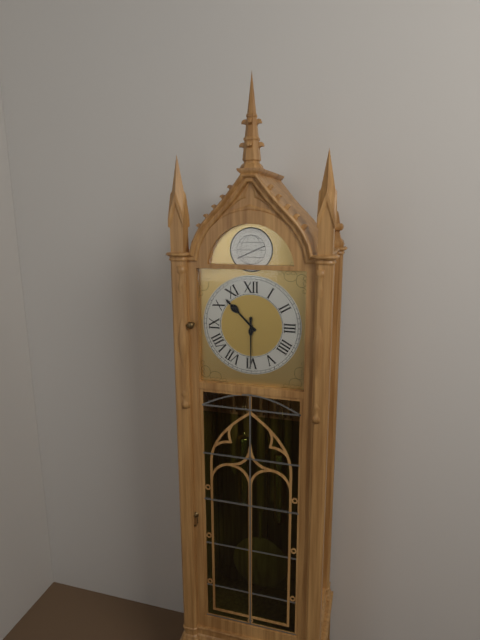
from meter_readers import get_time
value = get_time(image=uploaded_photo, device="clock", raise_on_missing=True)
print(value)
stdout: 10:30
